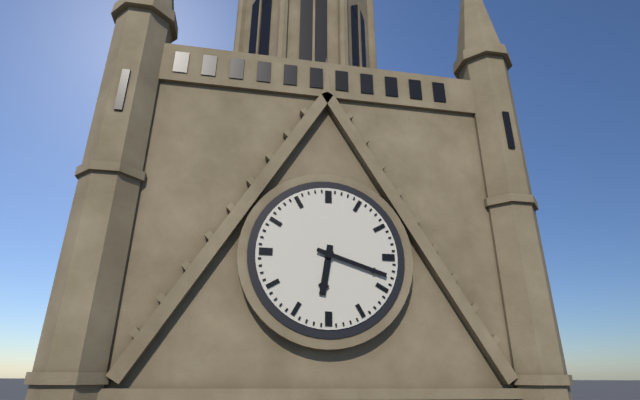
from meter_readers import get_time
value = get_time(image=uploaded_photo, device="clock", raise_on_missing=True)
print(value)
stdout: 6:18
